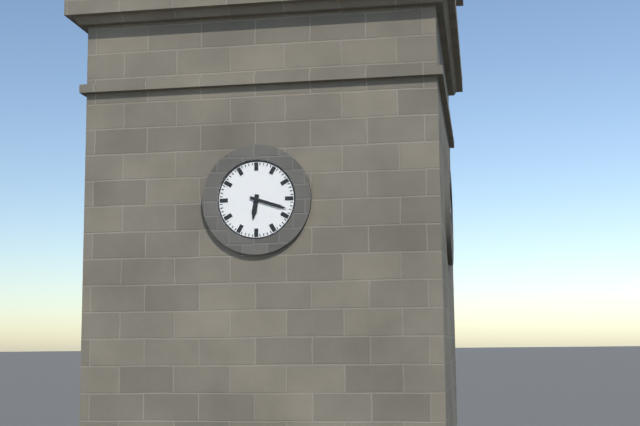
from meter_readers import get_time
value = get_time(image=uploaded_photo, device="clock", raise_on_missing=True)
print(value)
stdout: 6:18
